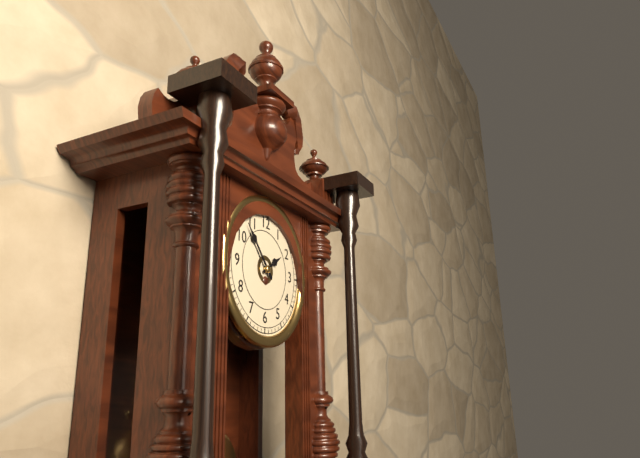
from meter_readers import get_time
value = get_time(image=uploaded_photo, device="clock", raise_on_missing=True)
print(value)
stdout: 1:53
